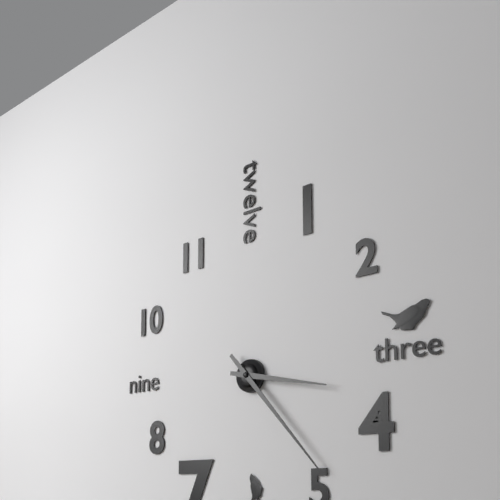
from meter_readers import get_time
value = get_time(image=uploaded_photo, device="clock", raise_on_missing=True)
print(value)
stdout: 3:23
